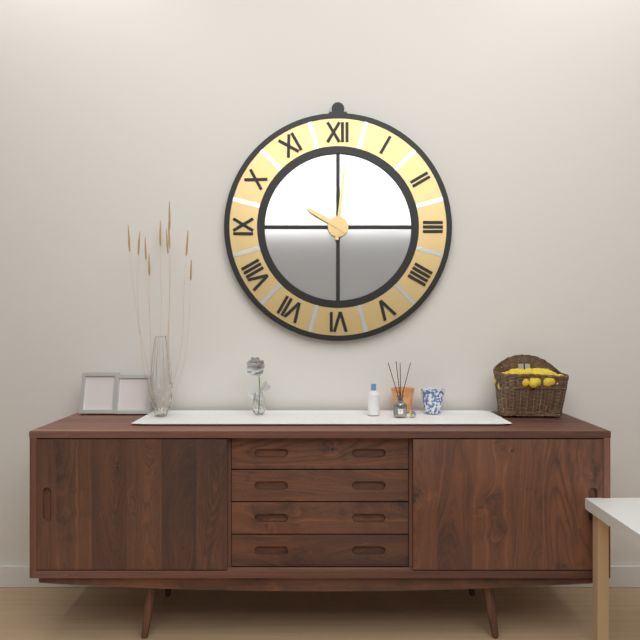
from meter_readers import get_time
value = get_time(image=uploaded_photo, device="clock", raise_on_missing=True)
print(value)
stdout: 10:01
